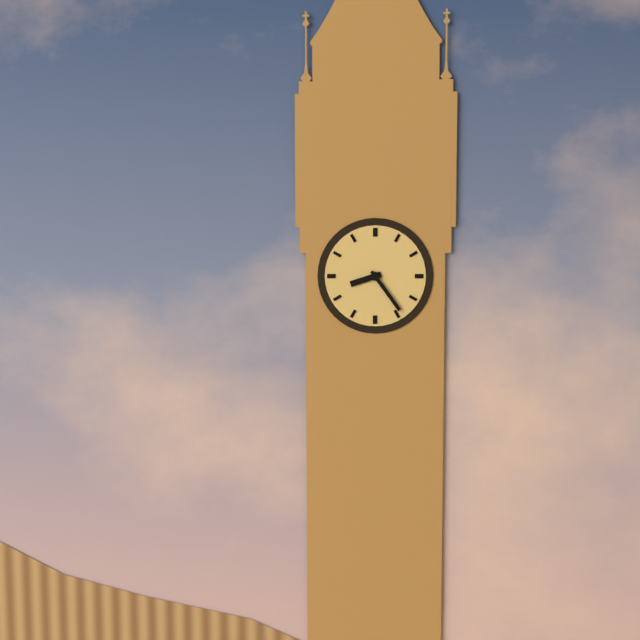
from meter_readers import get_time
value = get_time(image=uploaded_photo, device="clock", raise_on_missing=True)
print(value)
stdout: 8:24
